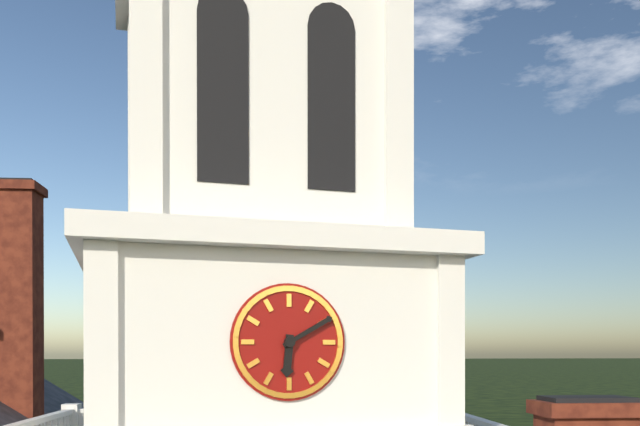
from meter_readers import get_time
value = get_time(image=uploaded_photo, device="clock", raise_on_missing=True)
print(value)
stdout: 6:10
